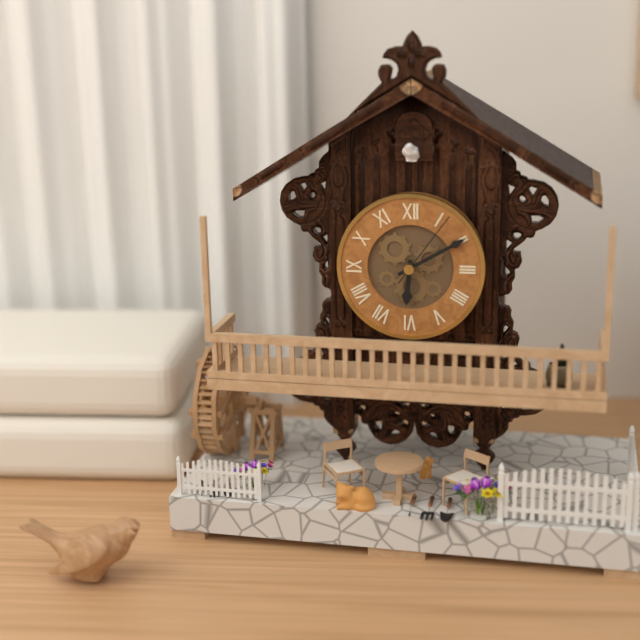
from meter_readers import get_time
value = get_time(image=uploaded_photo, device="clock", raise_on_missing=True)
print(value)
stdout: 6:10:06
